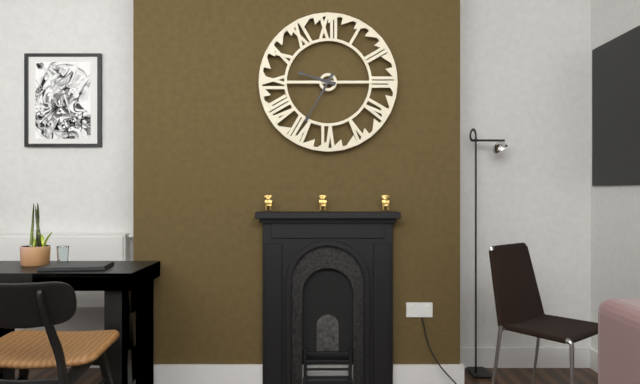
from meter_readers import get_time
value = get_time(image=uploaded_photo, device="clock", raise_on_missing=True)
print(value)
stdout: 9:35
